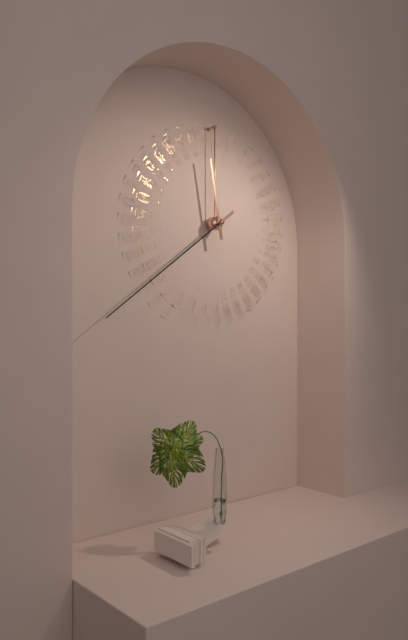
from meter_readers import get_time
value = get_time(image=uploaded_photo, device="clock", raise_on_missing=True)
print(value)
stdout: 11:39
